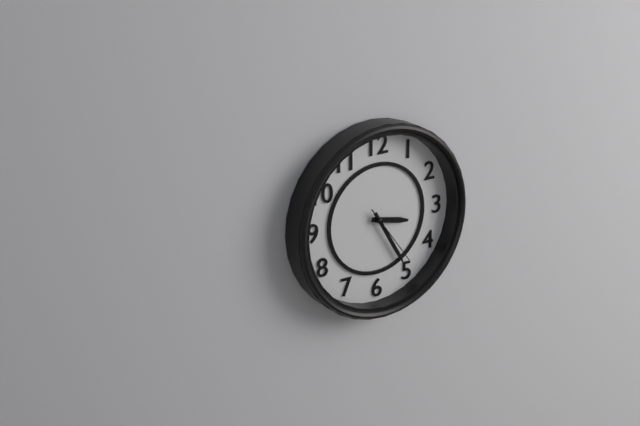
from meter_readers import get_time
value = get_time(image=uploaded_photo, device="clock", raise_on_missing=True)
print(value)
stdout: 3:25:24
